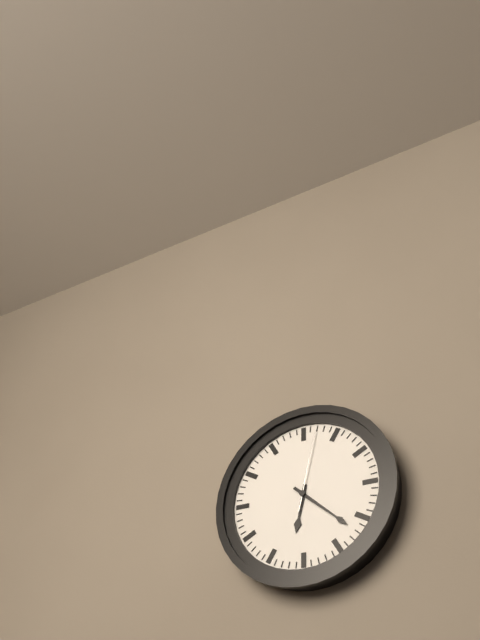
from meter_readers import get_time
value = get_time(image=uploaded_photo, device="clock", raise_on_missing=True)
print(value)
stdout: 6:22:02
